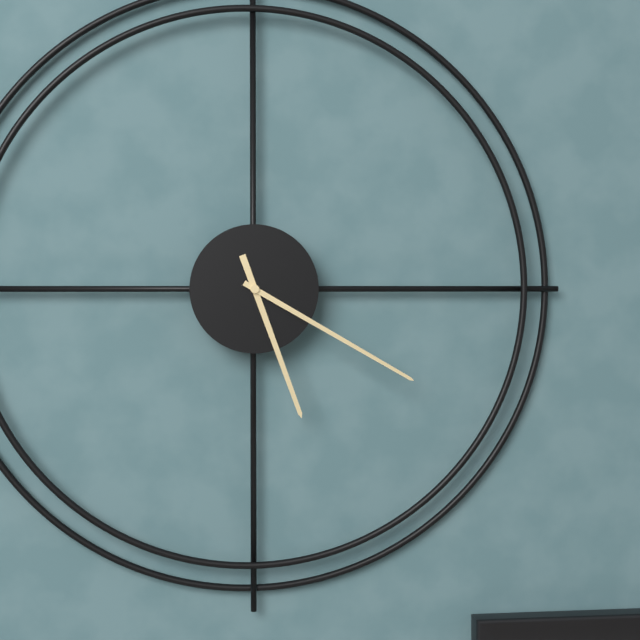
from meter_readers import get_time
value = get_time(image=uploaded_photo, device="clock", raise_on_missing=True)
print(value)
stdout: 5:20
